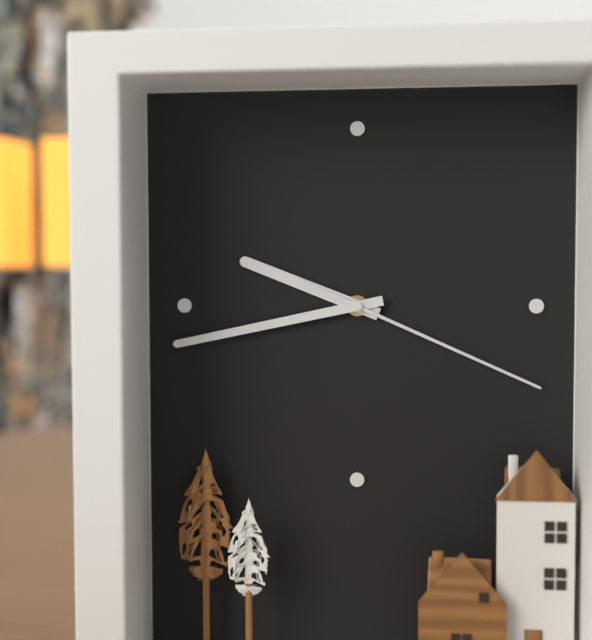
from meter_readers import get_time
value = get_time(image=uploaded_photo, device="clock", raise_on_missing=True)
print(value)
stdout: 9:43:19
